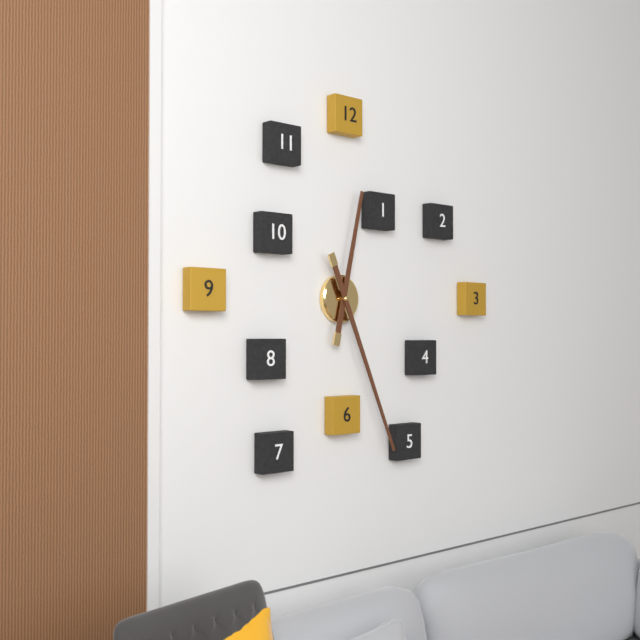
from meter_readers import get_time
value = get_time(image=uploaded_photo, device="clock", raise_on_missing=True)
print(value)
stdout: 12:26
